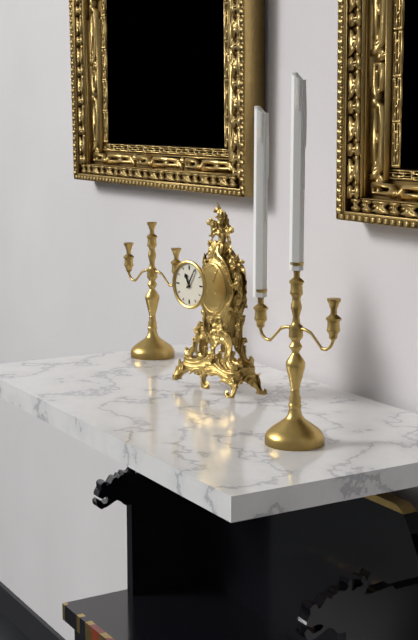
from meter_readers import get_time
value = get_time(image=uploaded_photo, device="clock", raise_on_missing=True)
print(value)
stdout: 11:05
